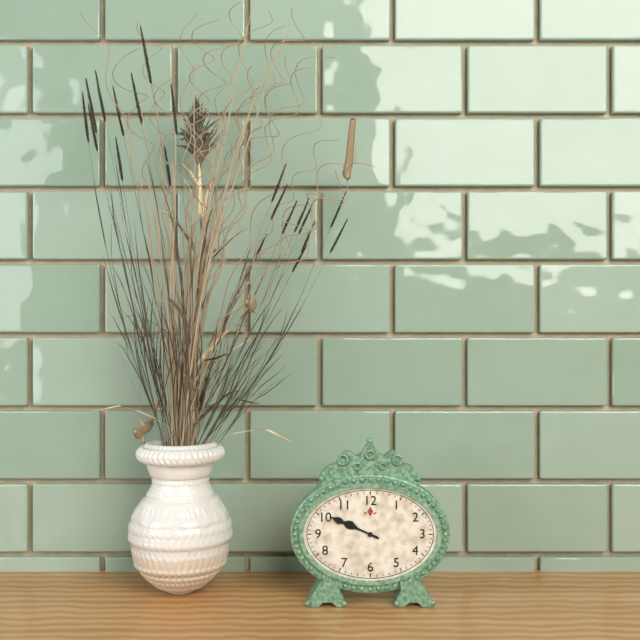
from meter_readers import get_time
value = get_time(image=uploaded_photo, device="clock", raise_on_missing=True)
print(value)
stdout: 9:49
